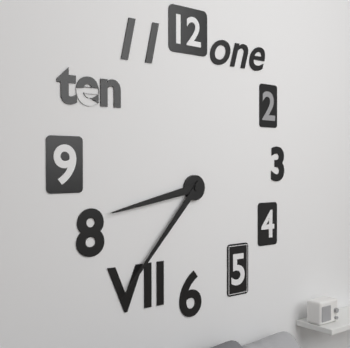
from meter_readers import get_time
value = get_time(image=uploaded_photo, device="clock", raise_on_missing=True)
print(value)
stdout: 8:37
